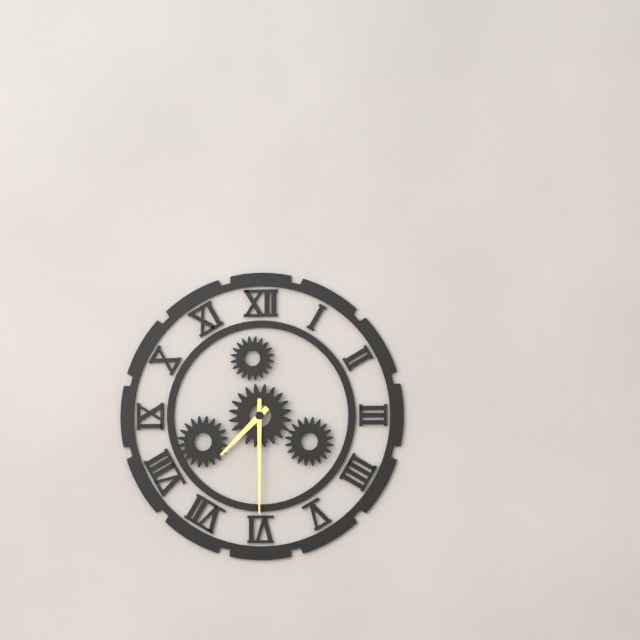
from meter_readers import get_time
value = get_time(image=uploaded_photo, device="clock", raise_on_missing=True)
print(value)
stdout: 7:30
